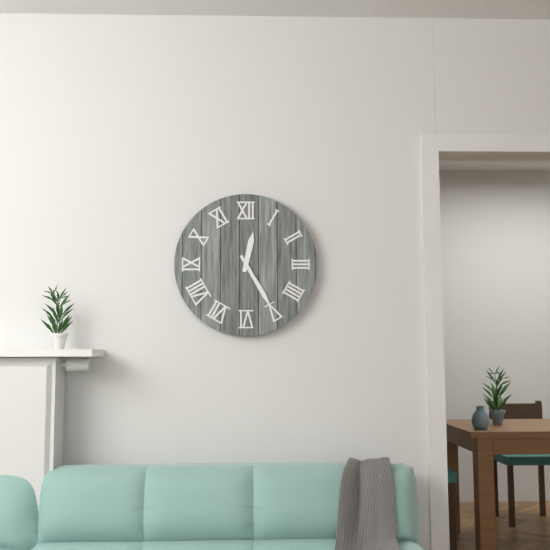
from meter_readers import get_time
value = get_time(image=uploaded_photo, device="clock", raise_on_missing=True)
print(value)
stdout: 12:25
